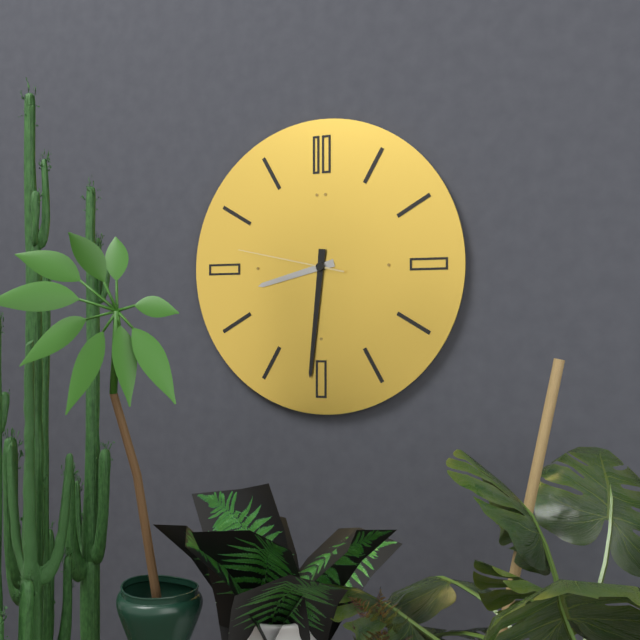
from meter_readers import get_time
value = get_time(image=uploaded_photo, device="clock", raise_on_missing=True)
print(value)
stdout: 8:31:47
